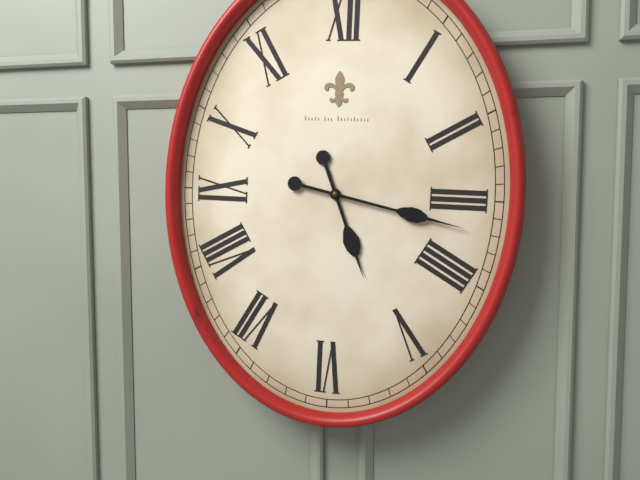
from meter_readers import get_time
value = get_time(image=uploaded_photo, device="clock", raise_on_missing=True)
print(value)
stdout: 5:17
